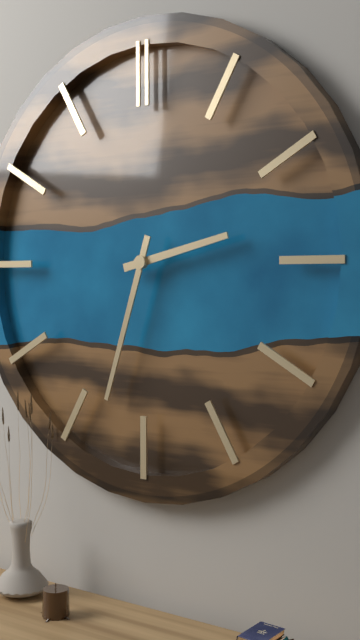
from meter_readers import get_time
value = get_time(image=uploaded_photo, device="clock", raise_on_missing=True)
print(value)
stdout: 2:33
